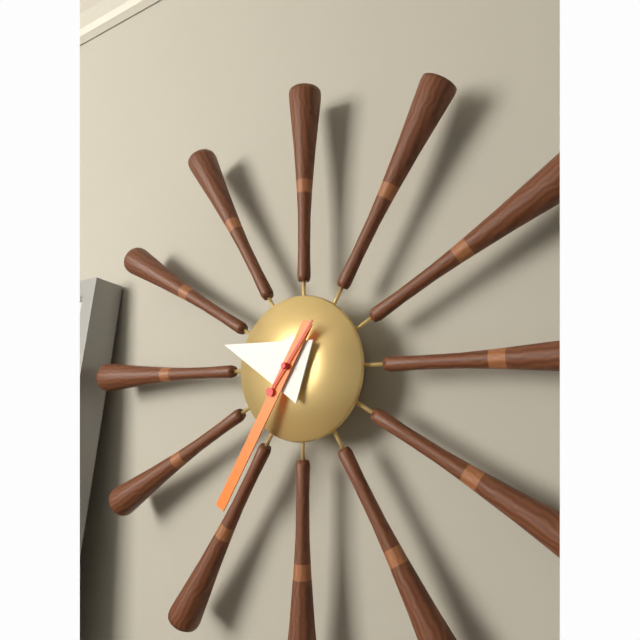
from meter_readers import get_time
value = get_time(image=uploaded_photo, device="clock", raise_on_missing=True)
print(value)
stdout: 9:35:06
